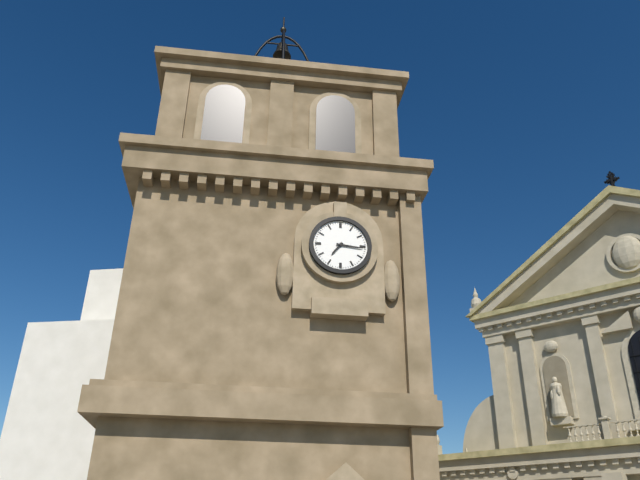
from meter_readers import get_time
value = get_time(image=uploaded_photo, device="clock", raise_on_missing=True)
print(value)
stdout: 7:16
